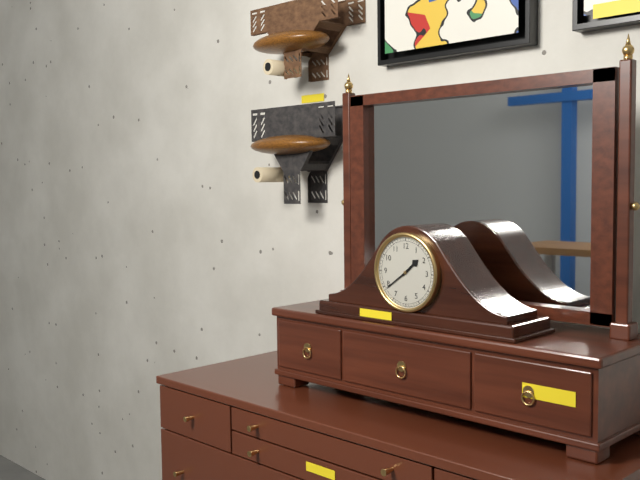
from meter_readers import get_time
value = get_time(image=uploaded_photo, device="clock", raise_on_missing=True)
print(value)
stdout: 1:39
